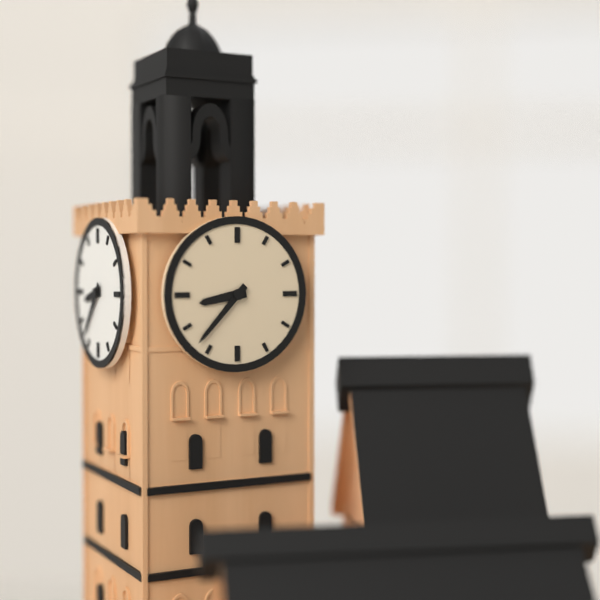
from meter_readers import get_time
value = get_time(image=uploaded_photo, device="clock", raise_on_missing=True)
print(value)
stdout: 8:37
